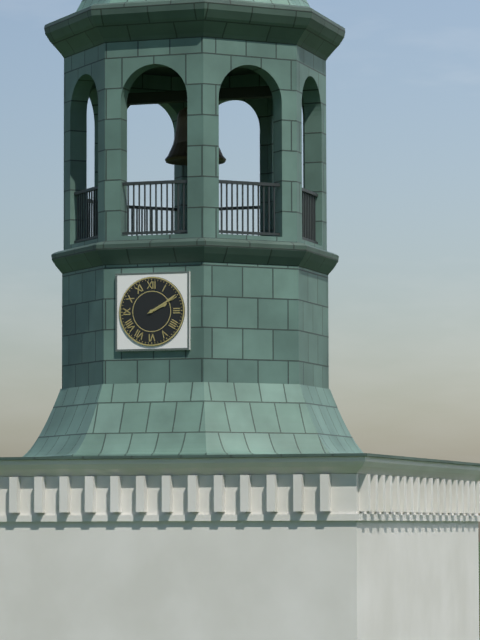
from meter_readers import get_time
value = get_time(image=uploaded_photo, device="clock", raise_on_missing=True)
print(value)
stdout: 2:10
